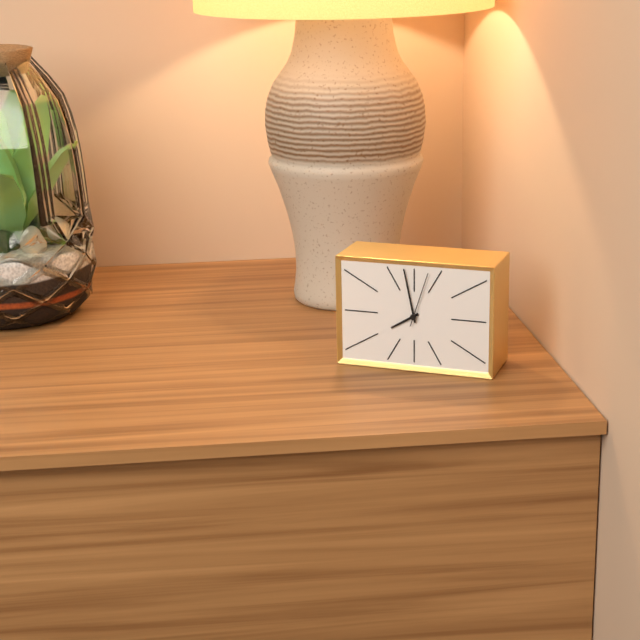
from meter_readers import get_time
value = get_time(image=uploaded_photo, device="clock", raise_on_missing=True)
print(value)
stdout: 7:58:03
